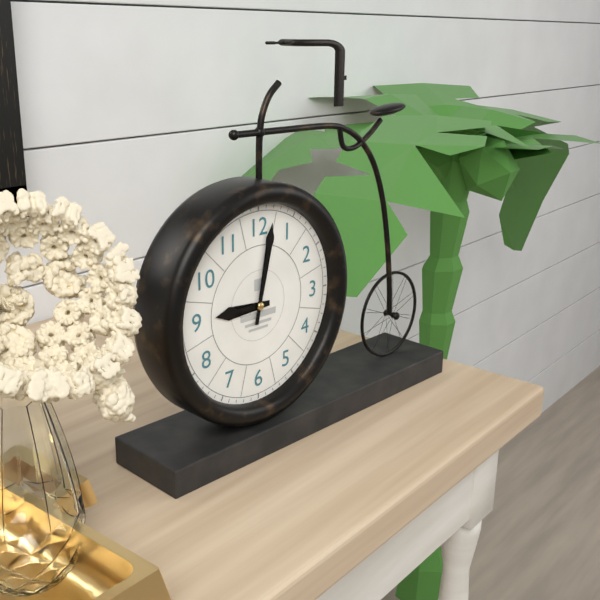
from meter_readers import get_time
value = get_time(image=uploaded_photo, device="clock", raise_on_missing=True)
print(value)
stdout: 9:02
